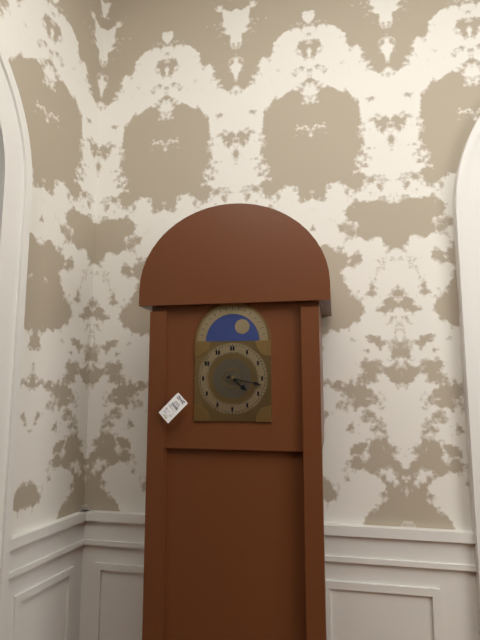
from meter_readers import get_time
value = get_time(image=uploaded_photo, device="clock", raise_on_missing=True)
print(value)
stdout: 4:17
